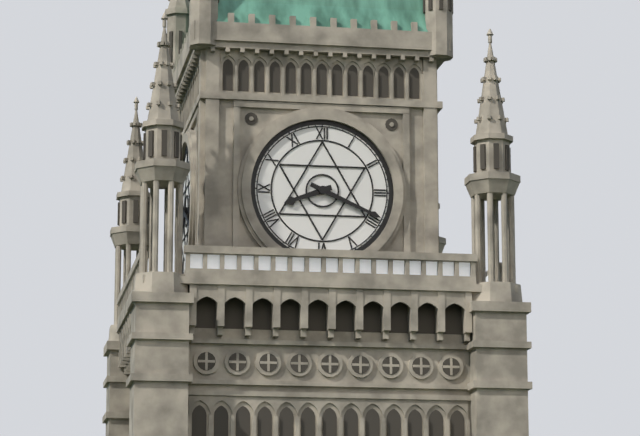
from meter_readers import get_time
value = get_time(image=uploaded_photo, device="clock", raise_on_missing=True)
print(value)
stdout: 8:19
